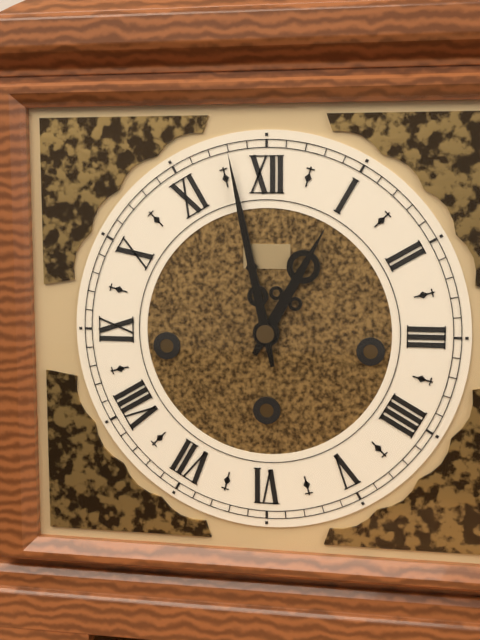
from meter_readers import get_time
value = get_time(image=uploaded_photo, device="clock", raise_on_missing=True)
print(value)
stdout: 12:58
